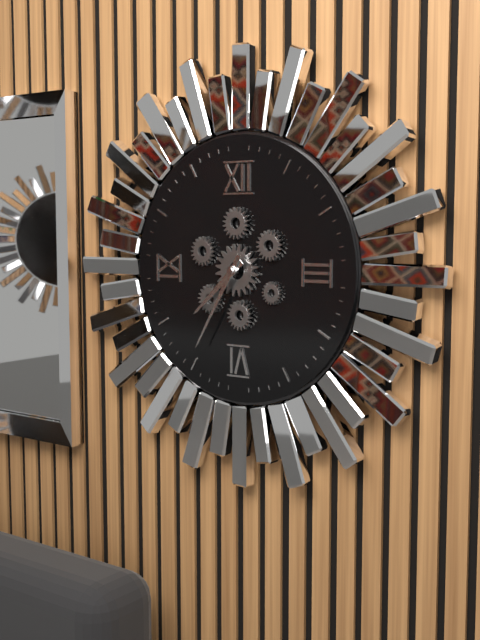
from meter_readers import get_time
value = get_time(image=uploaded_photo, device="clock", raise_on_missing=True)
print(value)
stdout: 7:35
